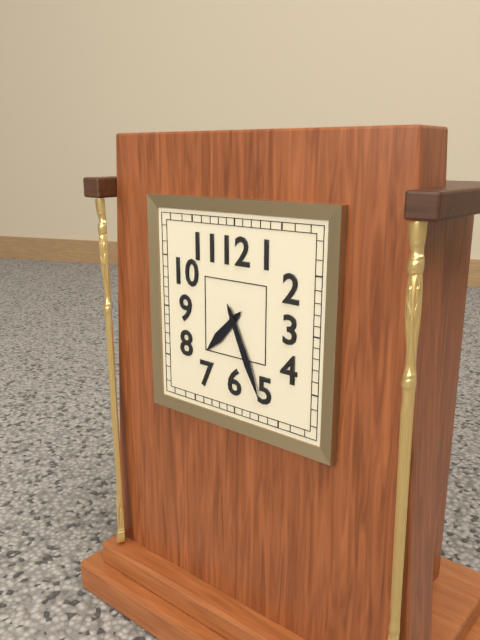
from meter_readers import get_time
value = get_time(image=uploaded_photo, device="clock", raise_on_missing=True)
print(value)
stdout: 7:26
